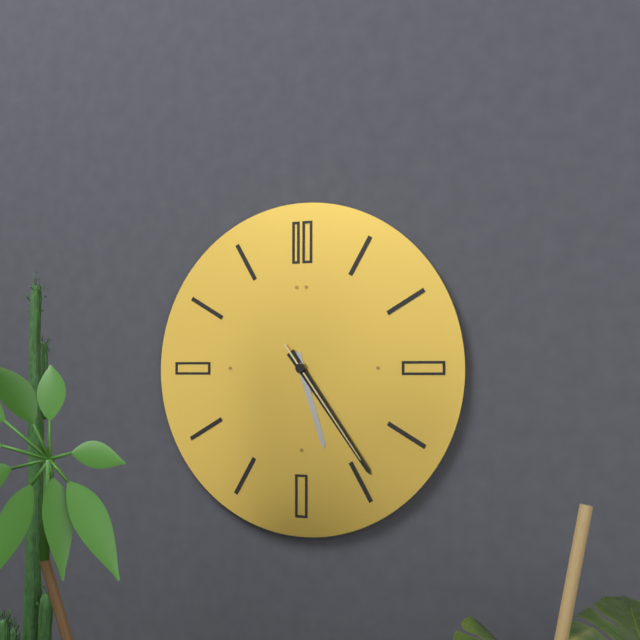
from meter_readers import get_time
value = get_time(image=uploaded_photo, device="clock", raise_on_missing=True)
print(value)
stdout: 5:24:24
